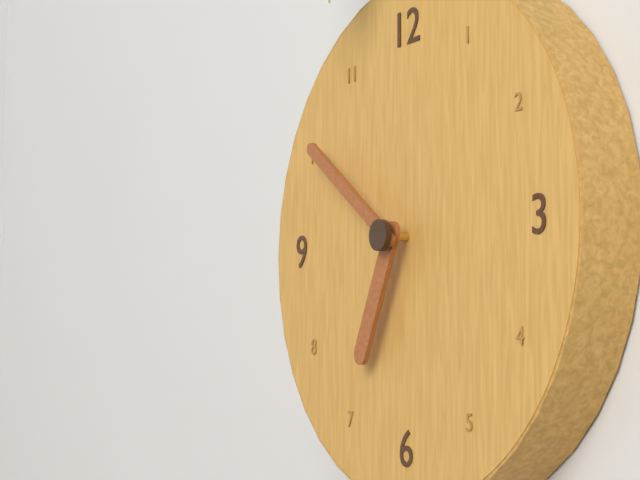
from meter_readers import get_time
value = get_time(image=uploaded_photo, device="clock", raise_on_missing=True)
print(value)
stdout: 6:51
